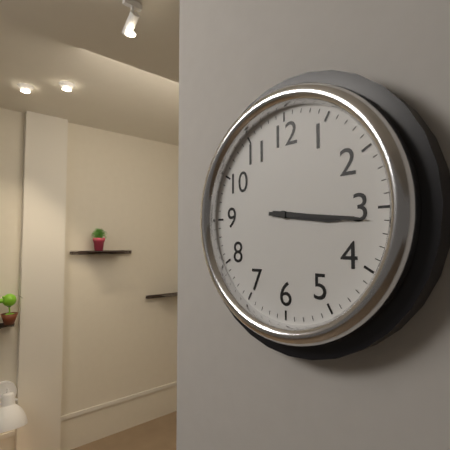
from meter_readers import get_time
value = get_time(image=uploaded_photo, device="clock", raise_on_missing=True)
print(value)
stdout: 3:16
